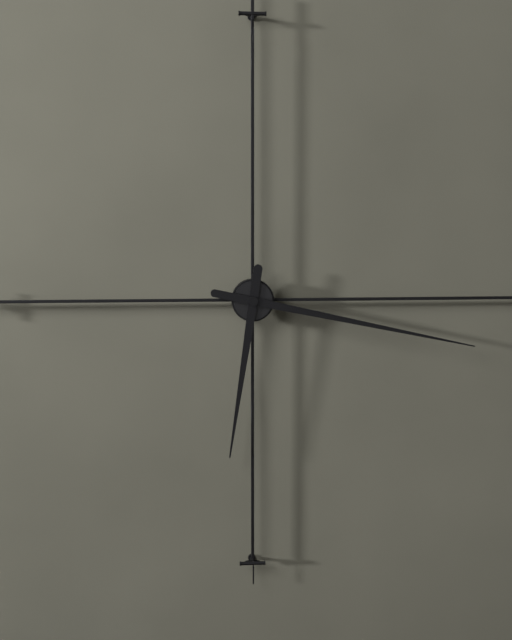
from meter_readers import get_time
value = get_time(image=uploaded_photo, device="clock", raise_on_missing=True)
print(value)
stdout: 6:17
